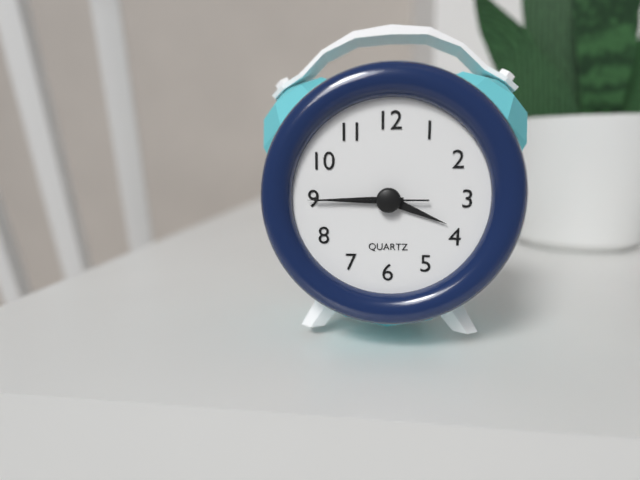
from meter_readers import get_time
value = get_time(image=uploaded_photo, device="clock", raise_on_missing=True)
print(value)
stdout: 3:45:45
